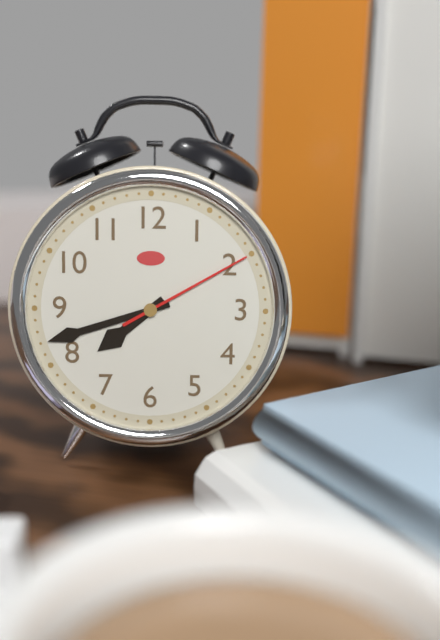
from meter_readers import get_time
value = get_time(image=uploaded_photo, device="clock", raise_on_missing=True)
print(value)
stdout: 7:42:10
